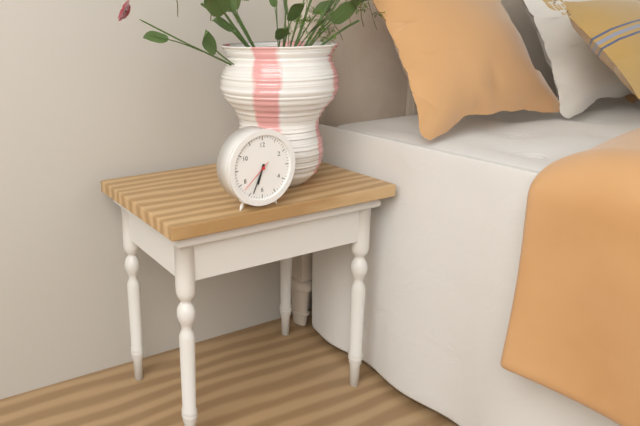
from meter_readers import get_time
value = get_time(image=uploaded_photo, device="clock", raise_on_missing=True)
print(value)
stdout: 6:34
